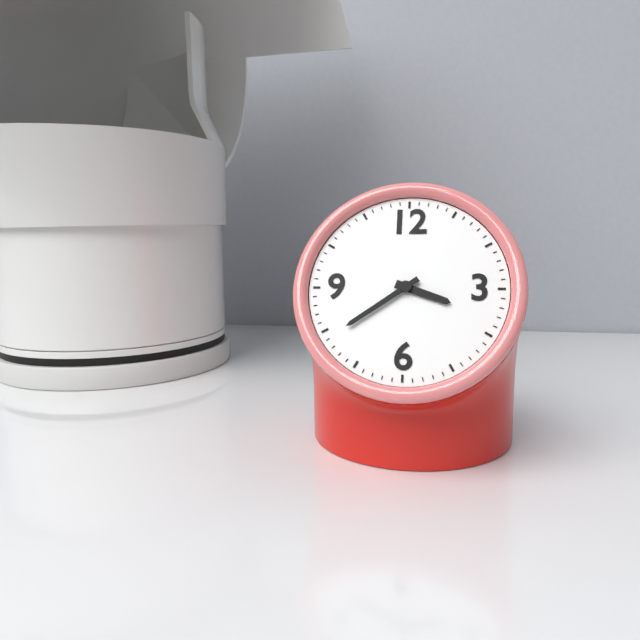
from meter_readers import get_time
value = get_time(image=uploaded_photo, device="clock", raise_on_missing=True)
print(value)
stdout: 3:39
